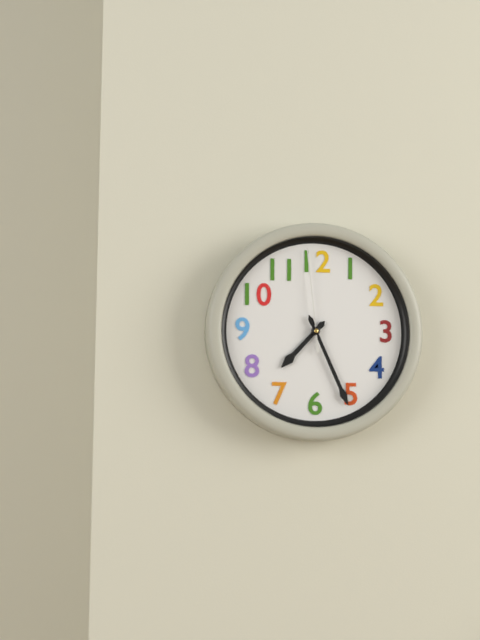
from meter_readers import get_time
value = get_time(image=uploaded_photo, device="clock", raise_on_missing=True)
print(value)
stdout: 7:26:59
